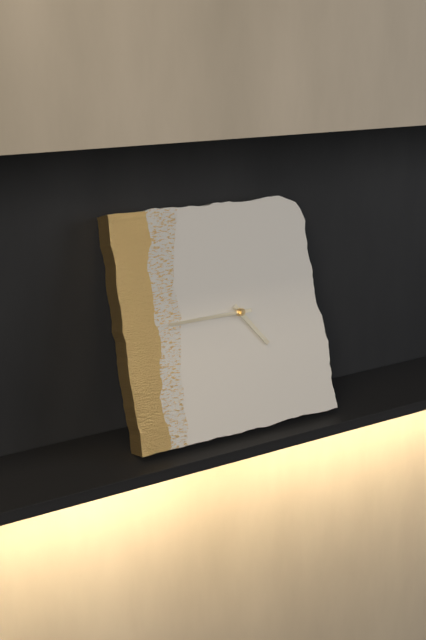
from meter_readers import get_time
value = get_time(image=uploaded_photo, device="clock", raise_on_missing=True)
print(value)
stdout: 4:45
